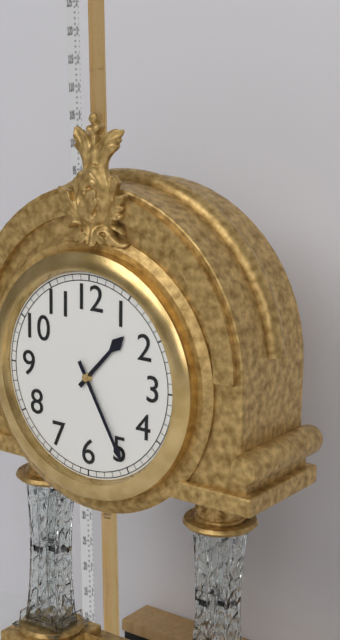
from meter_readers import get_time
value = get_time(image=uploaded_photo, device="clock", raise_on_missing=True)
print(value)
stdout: 1:25
